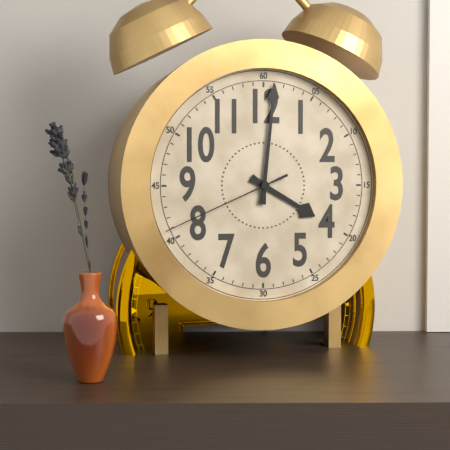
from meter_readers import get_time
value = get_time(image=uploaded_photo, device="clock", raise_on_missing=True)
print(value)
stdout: 4:01:41
